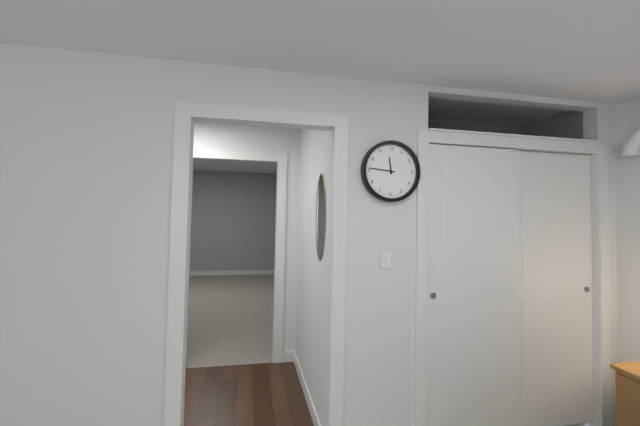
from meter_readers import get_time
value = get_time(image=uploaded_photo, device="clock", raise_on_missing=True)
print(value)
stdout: 11:46
